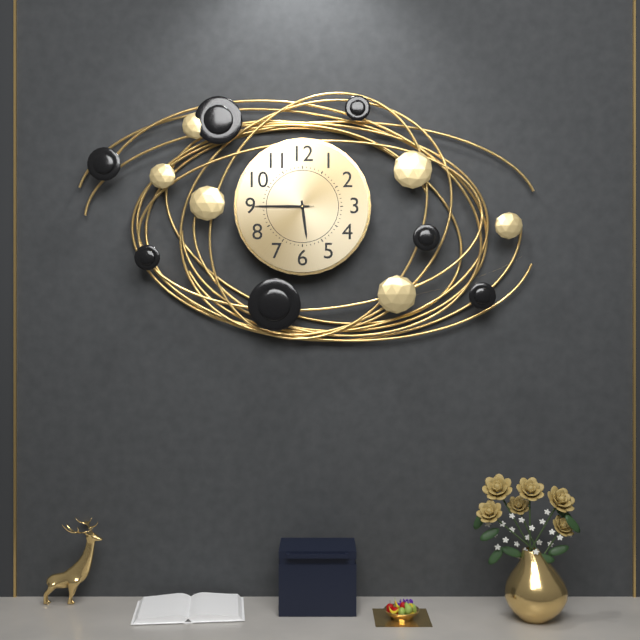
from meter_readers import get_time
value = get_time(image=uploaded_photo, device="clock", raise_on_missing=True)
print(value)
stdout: 5:45:45
